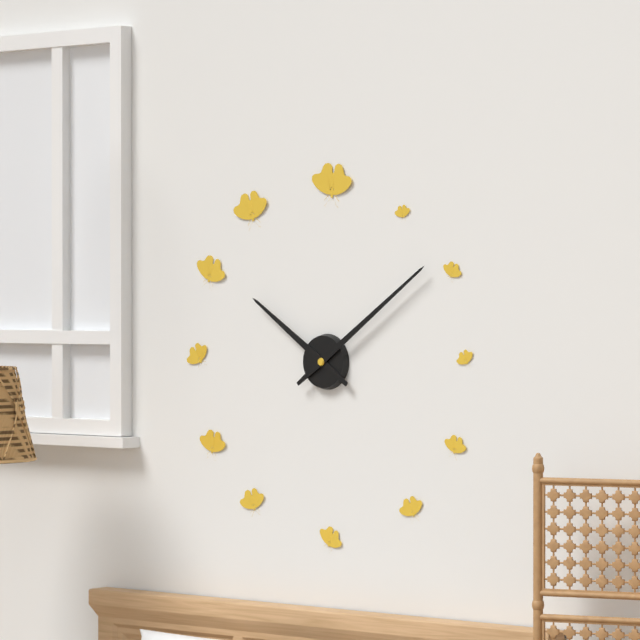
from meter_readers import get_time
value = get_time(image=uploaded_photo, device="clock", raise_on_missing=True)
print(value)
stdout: 10:09
